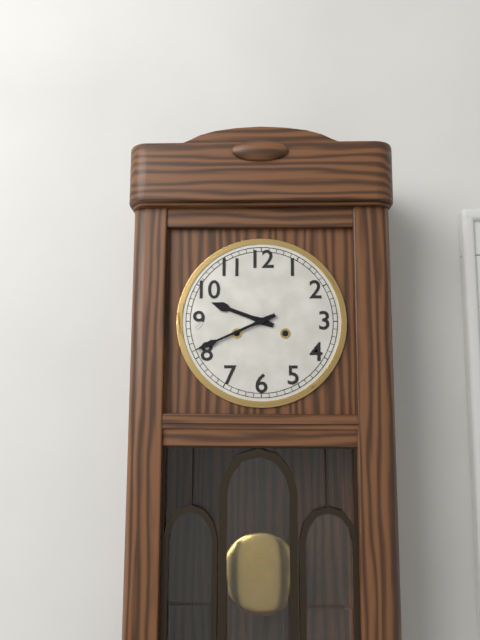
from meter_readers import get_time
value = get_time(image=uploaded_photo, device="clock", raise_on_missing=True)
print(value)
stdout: 9:41
